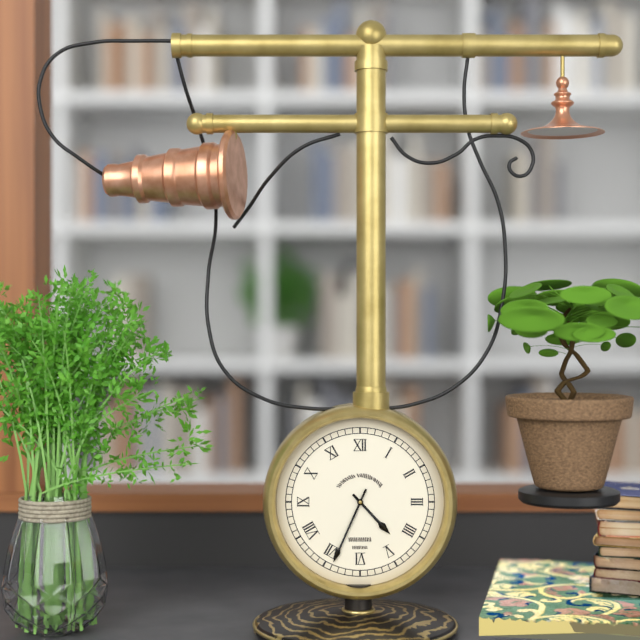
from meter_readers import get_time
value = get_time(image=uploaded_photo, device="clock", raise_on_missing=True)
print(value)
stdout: 4:34
